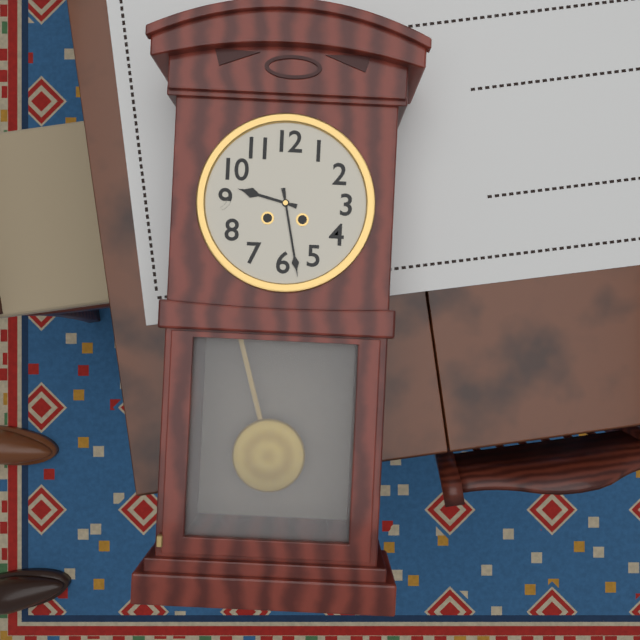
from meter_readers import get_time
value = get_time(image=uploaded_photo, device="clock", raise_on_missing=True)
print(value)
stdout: 9:28
